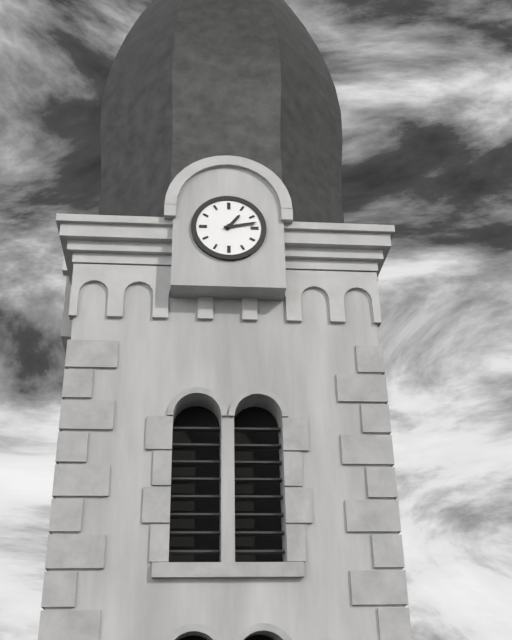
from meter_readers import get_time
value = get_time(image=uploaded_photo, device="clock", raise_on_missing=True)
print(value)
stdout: 1:13
